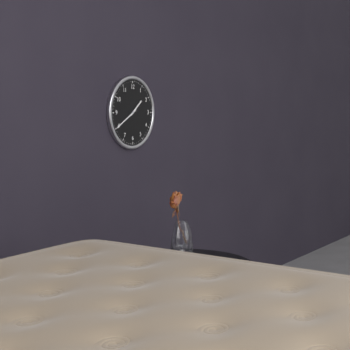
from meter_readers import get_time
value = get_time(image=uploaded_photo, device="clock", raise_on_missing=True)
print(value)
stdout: 1:40
